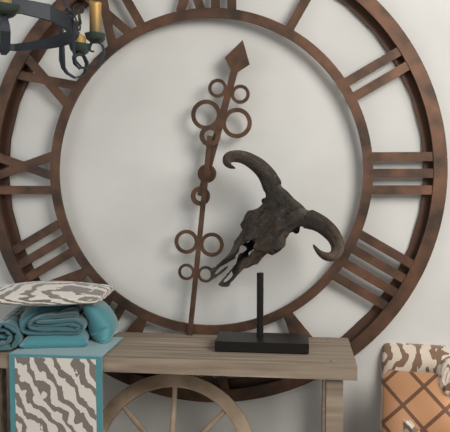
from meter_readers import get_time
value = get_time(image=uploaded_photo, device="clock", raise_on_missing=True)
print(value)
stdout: 12:31
